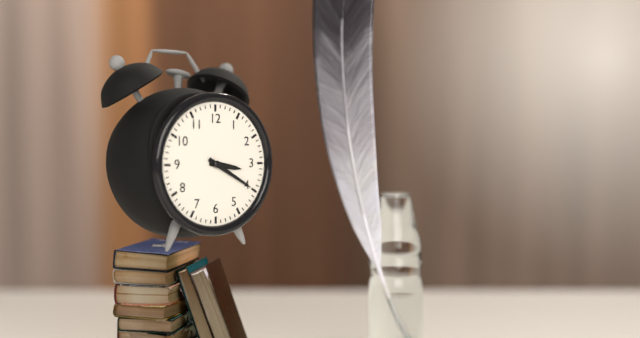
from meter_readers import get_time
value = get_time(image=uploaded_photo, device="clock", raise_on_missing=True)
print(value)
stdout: 3:20
